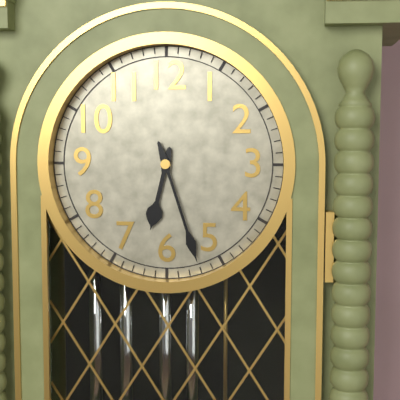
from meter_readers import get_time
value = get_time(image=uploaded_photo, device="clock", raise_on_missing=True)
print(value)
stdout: 6:27
